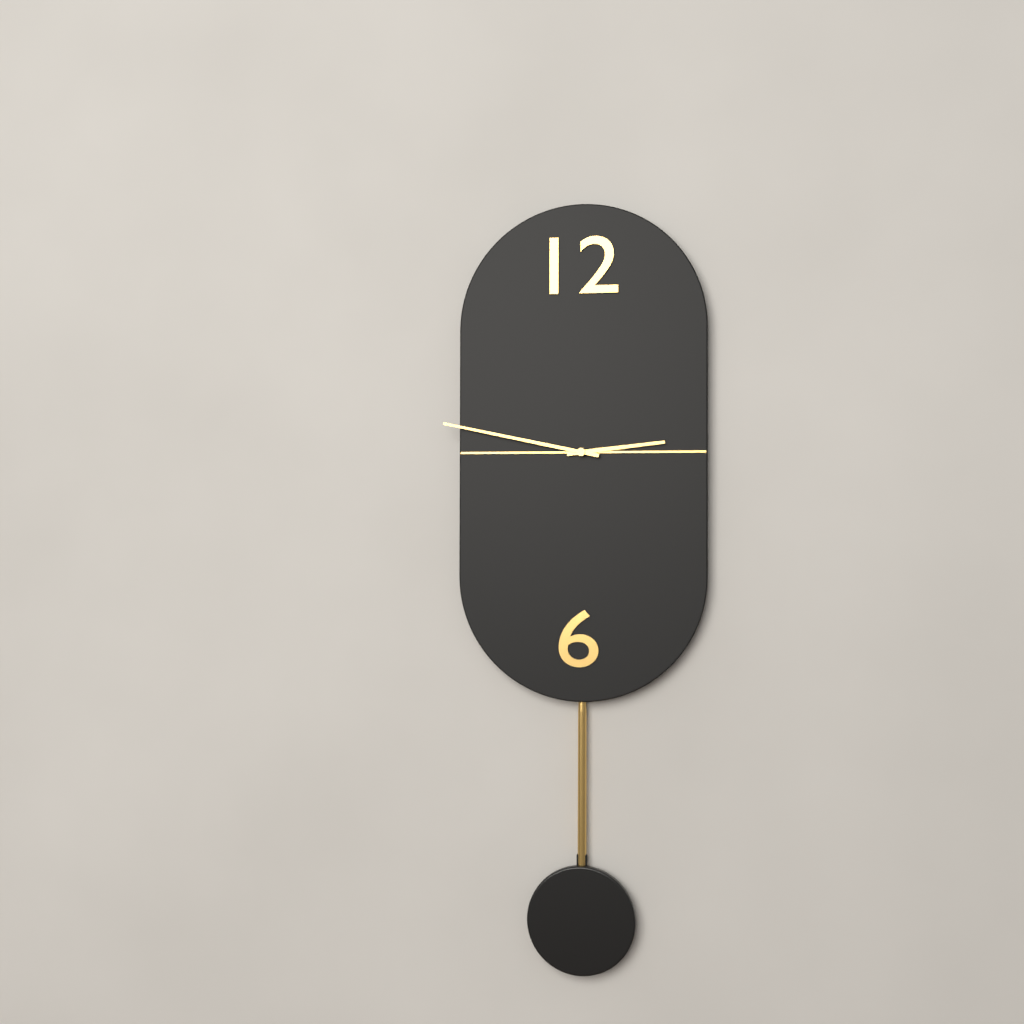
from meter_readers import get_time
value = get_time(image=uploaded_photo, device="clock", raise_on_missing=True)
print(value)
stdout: 2:47
